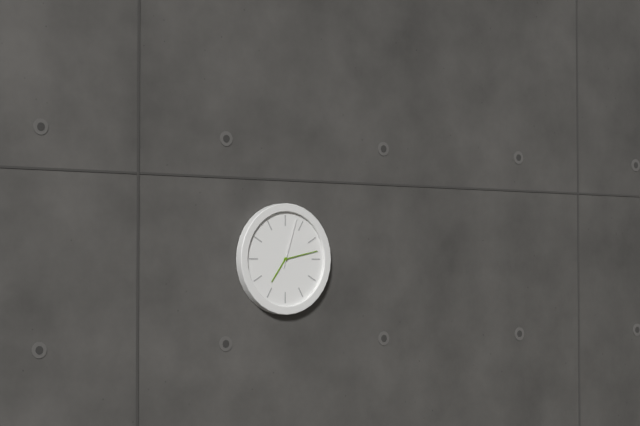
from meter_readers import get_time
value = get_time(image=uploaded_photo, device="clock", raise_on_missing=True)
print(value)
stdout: 7:13:03
